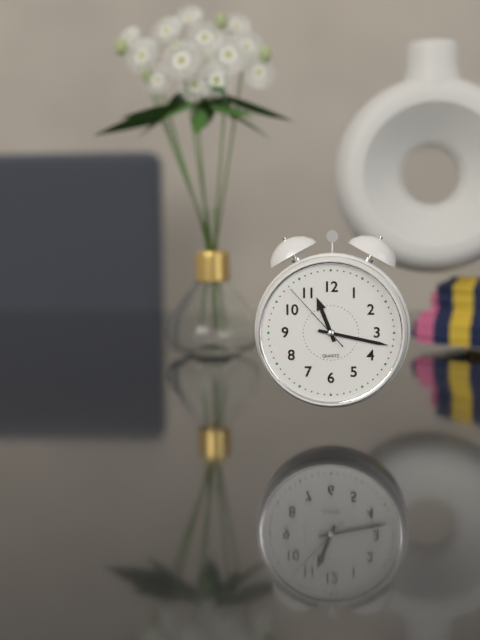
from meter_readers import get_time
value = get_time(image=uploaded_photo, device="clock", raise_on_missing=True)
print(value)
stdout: 11:17:53
